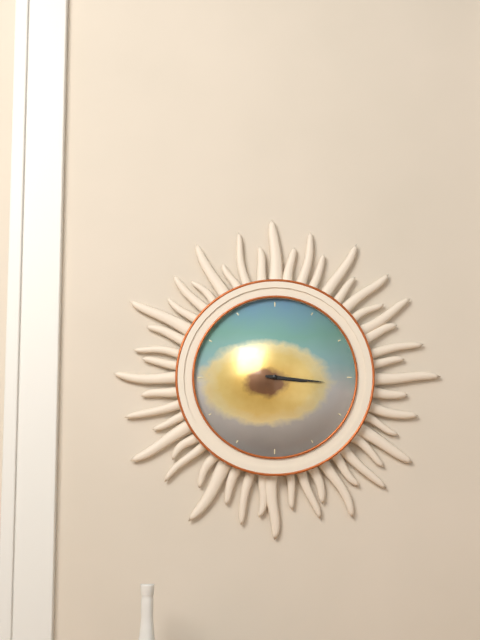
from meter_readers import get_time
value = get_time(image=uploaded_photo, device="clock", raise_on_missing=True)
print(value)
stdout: 3:16
